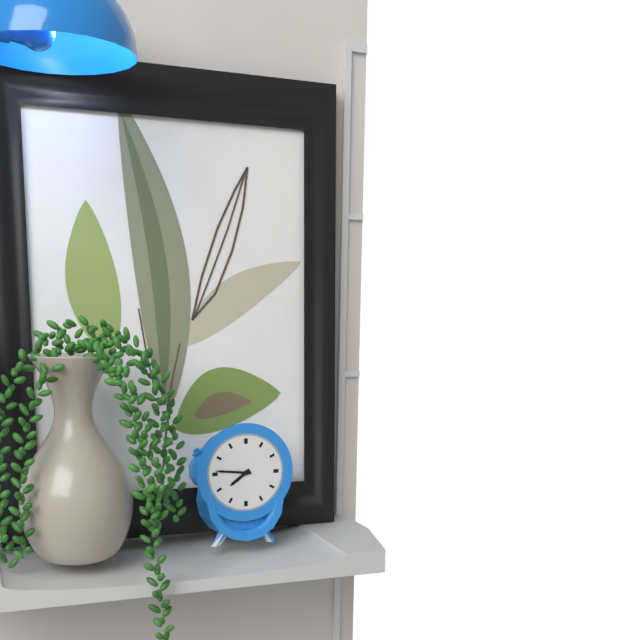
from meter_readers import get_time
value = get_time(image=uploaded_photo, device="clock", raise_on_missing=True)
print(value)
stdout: 7:46
